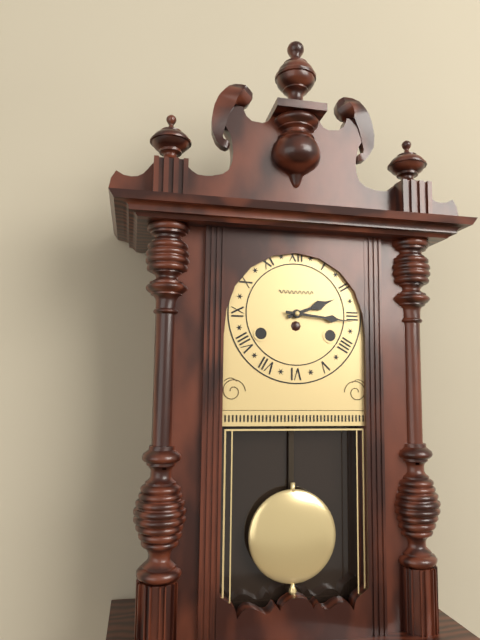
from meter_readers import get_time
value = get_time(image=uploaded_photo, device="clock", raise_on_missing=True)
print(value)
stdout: 2:16
